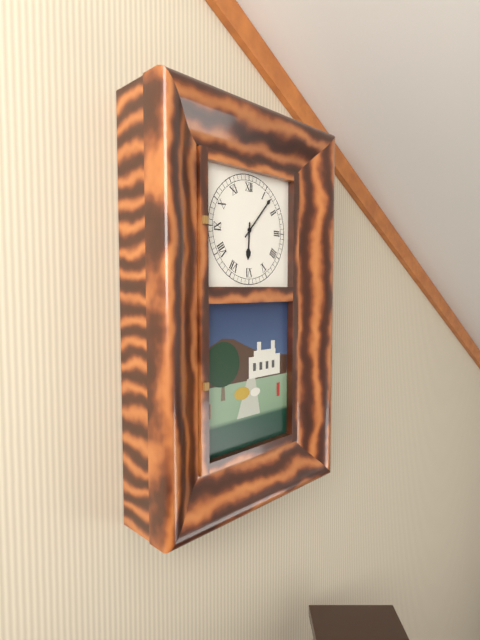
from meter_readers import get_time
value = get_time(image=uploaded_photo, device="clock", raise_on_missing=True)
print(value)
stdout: 6:07
